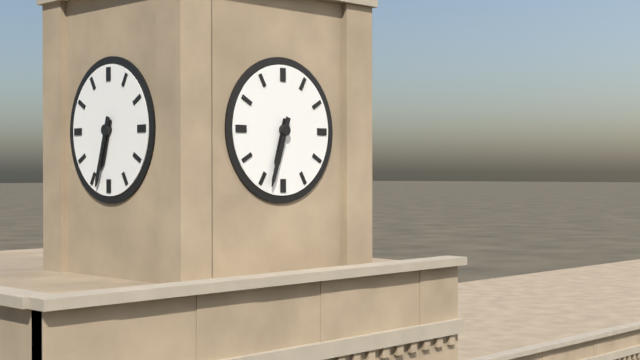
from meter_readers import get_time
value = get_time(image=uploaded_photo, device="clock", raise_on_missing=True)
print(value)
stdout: 6:33
